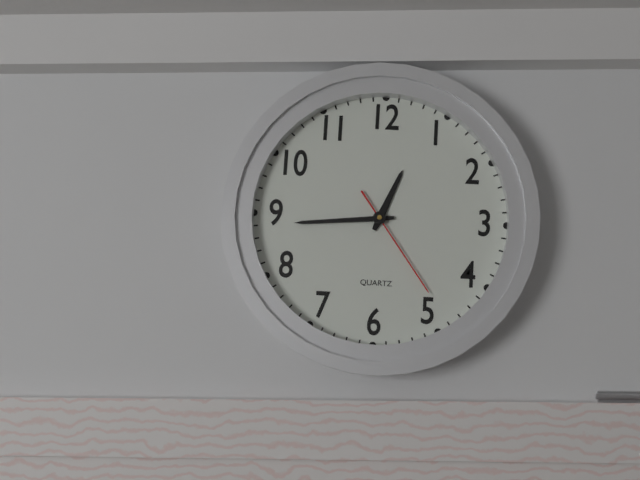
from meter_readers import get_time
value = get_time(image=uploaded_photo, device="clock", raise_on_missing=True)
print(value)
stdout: 12:44:24
